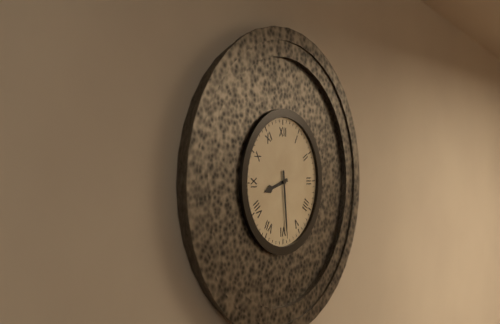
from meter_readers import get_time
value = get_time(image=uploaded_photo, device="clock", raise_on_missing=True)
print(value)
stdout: 8:29
